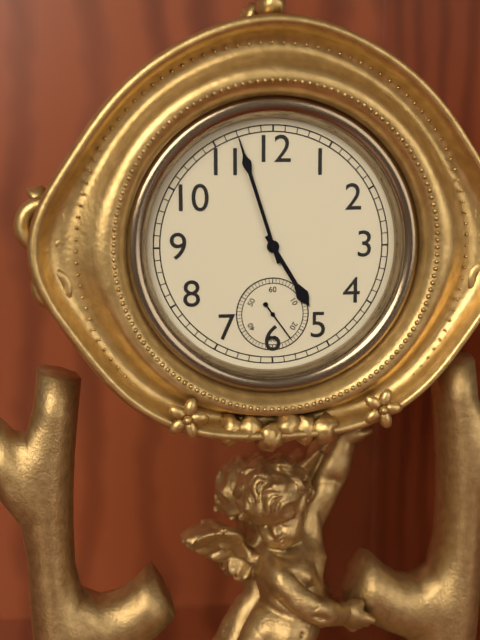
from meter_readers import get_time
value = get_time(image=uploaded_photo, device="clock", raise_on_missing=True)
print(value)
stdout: 4:57
